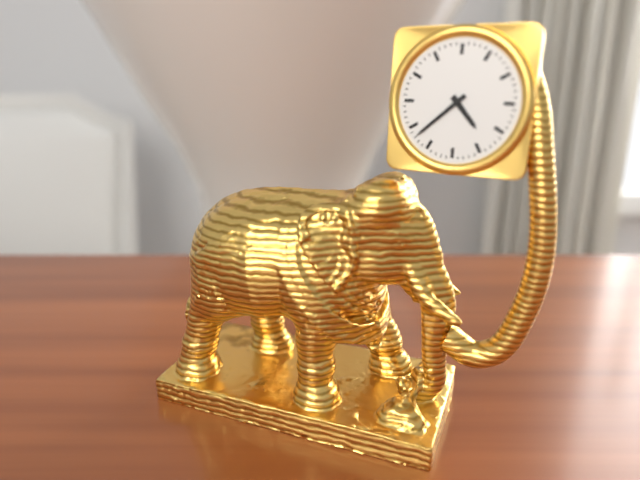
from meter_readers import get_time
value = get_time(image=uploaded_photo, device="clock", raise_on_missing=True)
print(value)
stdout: 4:38
